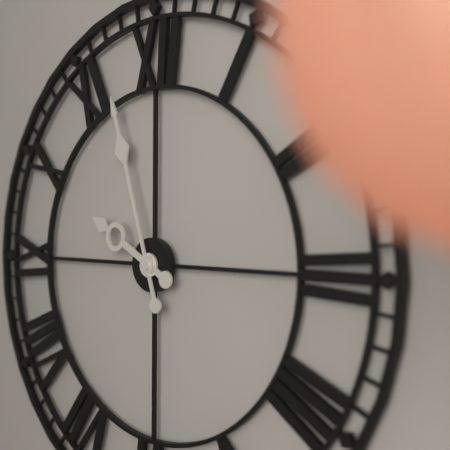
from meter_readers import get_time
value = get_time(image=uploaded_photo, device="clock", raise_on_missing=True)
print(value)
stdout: 9:57
